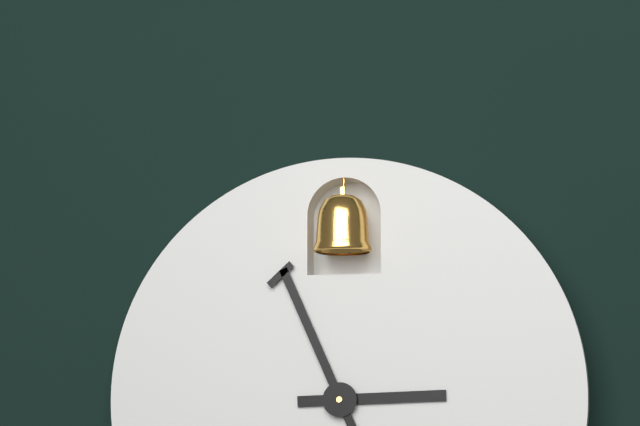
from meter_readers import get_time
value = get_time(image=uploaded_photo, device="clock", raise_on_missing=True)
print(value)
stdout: 2:56
